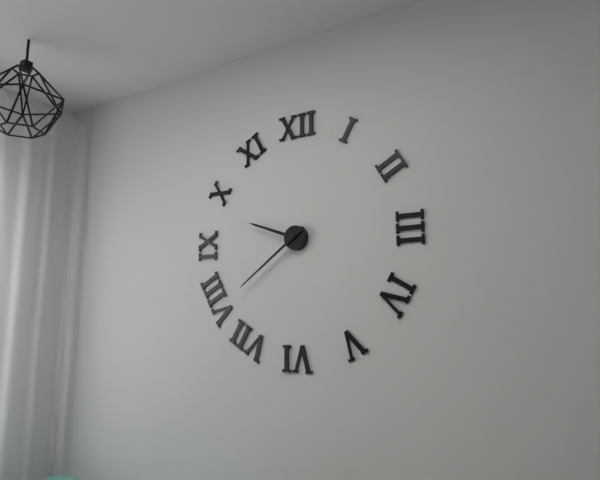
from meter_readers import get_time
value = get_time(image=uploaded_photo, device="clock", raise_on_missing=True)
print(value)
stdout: 9:39
